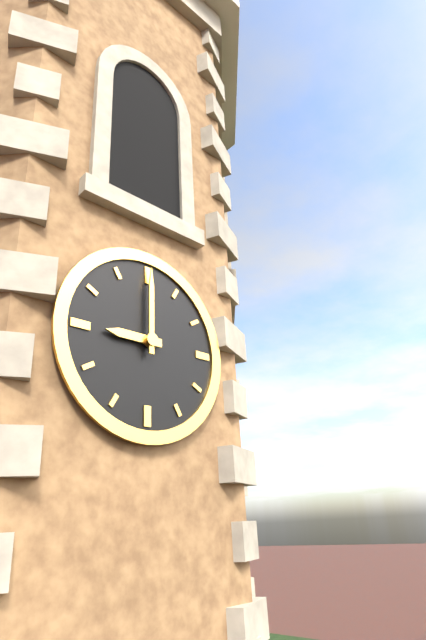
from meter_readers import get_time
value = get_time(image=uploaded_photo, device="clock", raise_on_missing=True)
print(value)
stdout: 9:00
